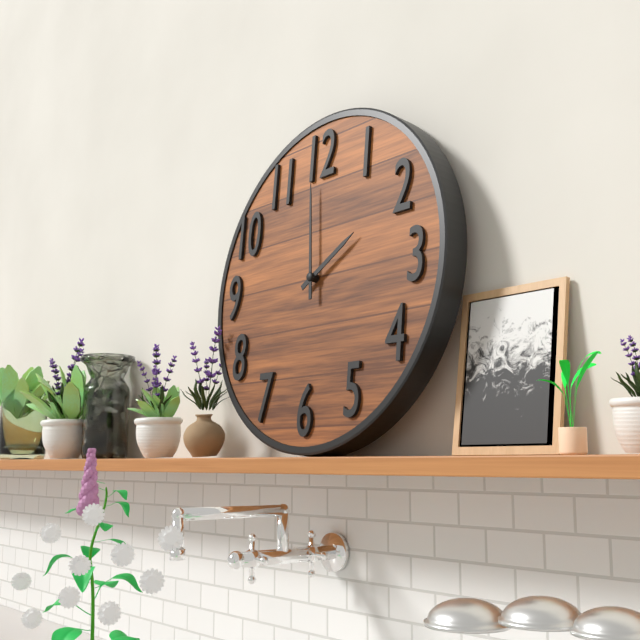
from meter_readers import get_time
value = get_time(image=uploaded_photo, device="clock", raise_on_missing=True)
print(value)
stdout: 1:59
